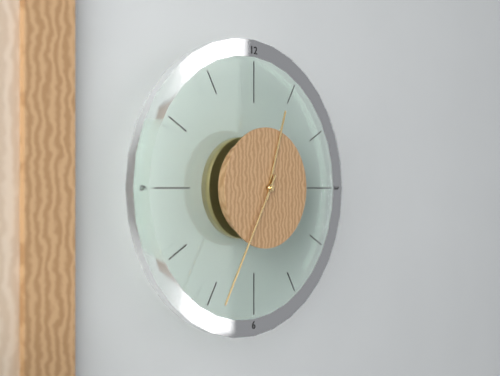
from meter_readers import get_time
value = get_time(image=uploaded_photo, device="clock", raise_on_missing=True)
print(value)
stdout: 12:35
